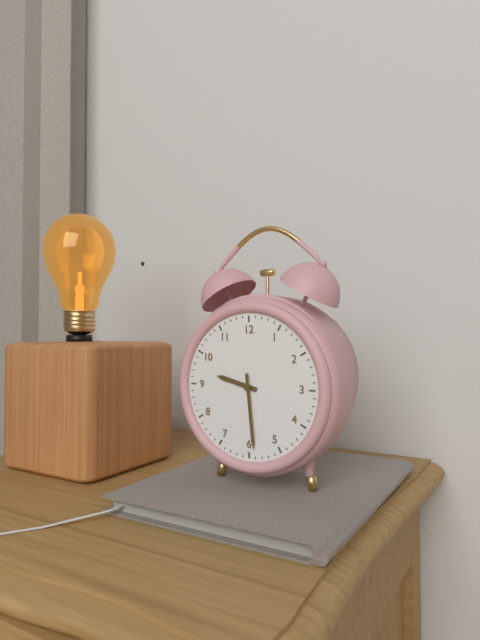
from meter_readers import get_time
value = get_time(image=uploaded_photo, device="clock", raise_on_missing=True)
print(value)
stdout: 9:29
